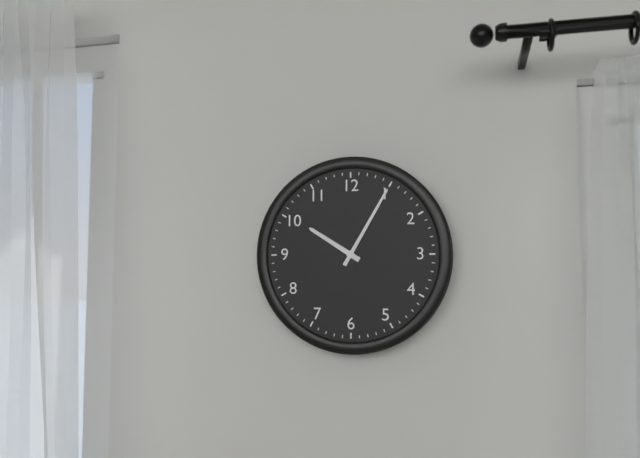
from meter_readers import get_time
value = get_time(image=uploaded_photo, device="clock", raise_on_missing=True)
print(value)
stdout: 10:05
